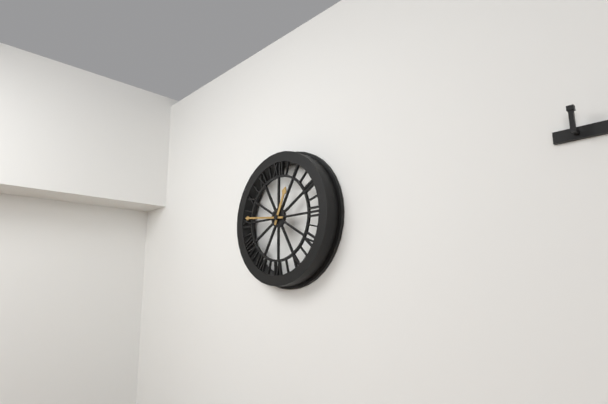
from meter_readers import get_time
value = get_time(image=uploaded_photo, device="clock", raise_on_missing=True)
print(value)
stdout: 12:46
